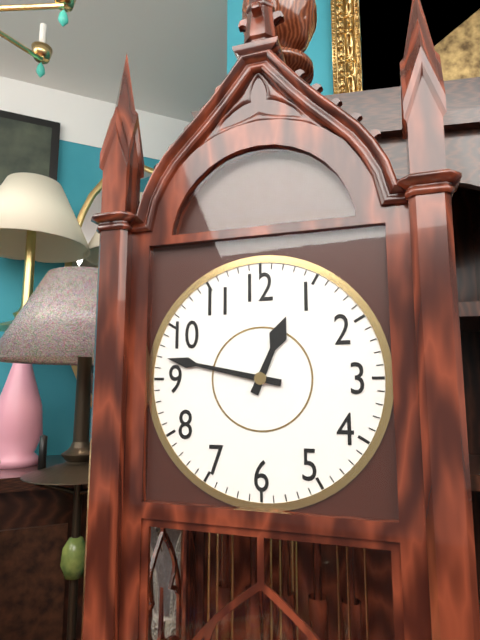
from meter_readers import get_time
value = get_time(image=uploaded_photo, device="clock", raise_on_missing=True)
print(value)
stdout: 12:47
